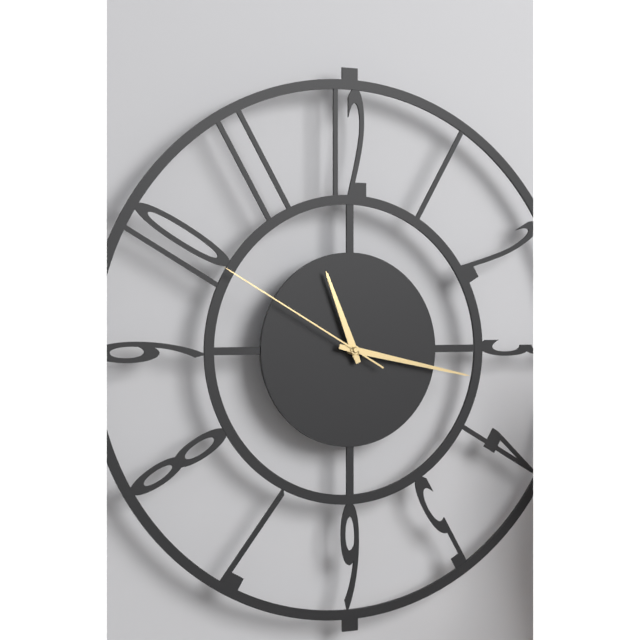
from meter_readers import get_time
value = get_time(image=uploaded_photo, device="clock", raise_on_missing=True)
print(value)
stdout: 11:17:50
